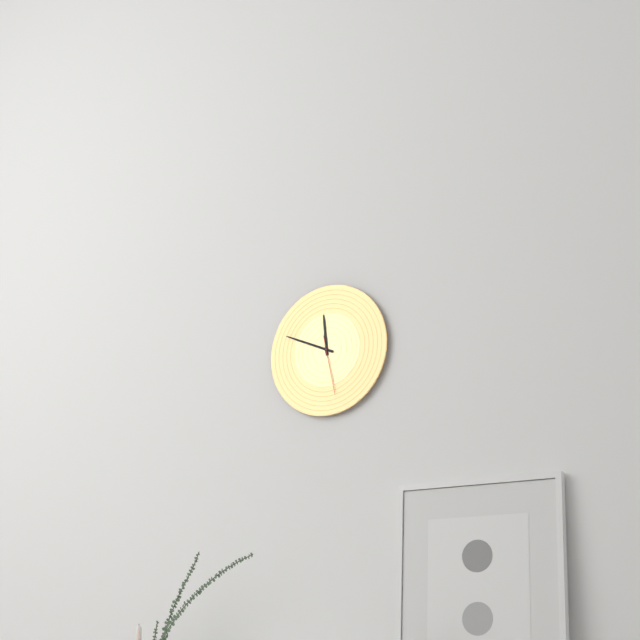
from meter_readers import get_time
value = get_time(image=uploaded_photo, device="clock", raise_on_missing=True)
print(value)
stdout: 11:49:28
